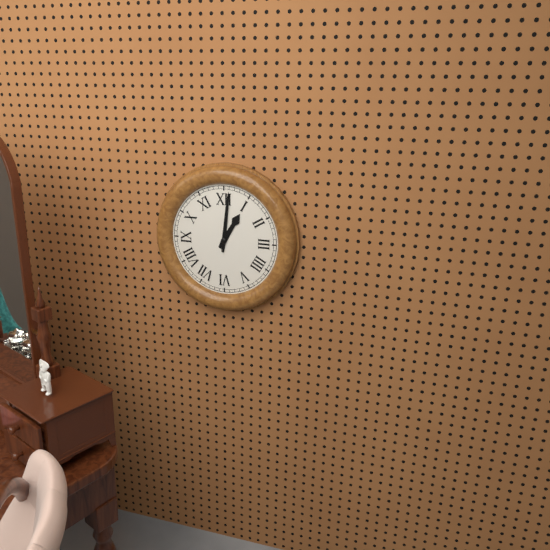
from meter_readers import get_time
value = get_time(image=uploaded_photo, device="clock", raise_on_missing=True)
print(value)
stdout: 1:01
